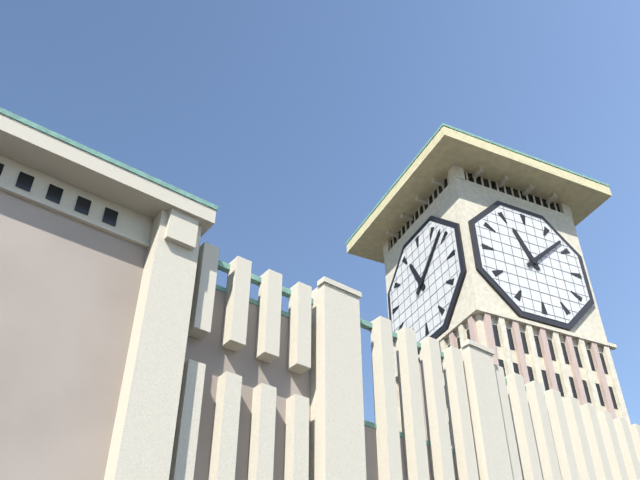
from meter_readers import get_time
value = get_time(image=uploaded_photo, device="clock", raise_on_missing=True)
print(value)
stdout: 11:08
